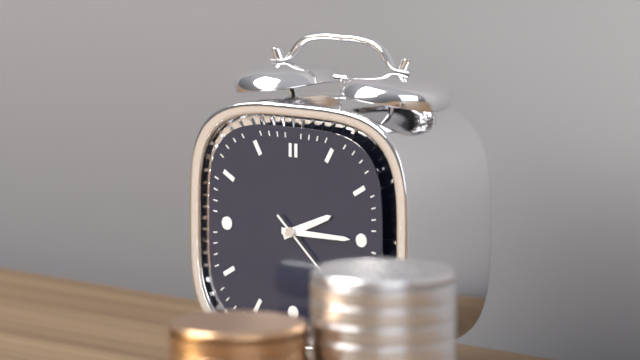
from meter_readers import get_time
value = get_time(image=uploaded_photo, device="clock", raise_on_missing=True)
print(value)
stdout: 2:15
